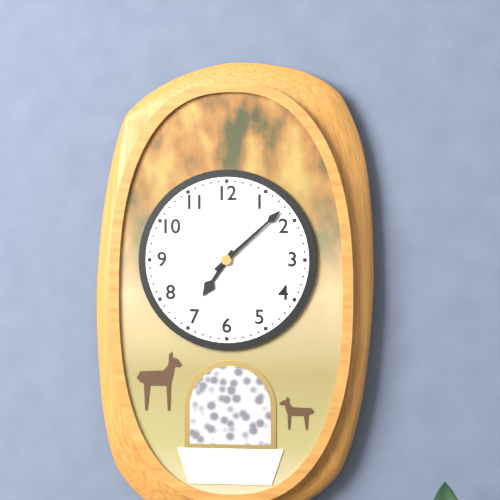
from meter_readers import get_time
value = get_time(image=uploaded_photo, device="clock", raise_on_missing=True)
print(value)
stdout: 7:08
